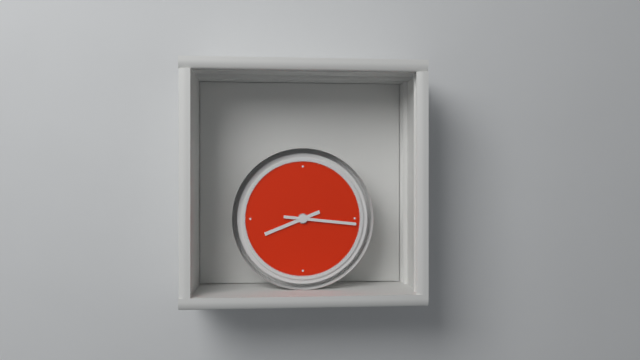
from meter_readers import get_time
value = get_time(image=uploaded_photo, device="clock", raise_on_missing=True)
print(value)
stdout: 8:16
